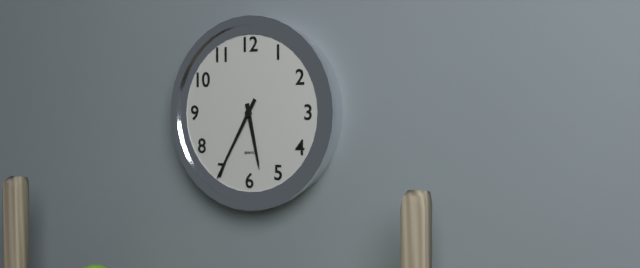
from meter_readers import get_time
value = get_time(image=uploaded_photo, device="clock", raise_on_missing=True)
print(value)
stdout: 5:35
